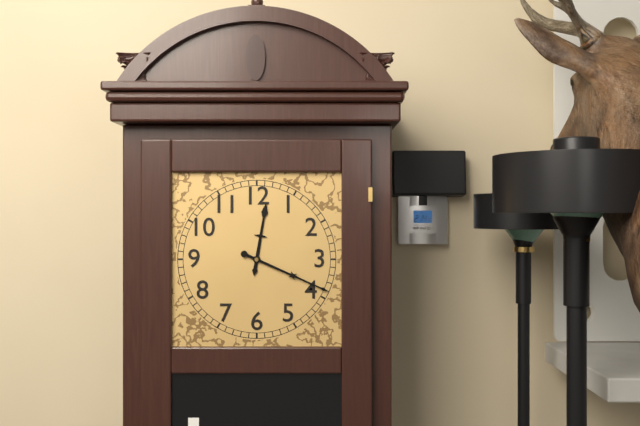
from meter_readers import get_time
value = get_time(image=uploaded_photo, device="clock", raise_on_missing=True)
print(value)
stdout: 12:19
